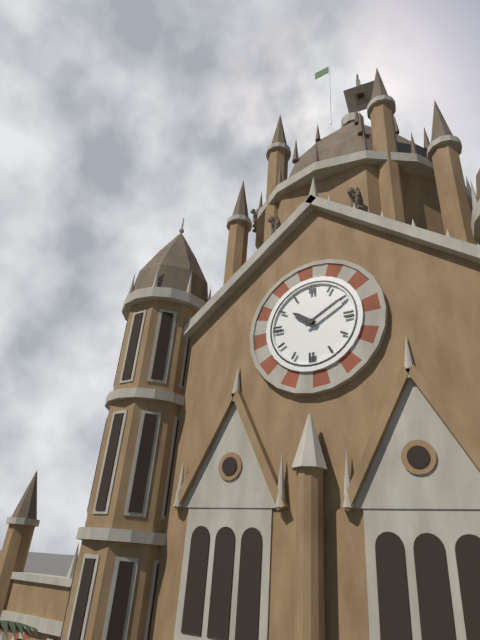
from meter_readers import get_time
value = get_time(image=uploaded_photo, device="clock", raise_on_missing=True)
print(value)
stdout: 10:10
